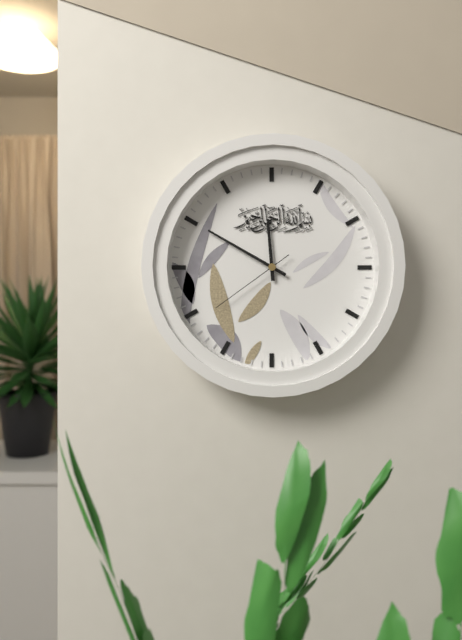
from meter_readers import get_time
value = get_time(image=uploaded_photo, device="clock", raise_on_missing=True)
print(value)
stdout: 11:50:39
